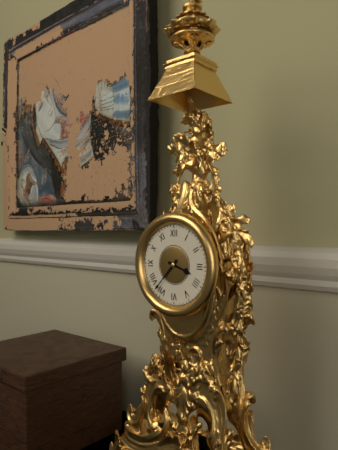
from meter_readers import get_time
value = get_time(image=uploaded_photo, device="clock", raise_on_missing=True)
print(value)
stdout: 3:37
